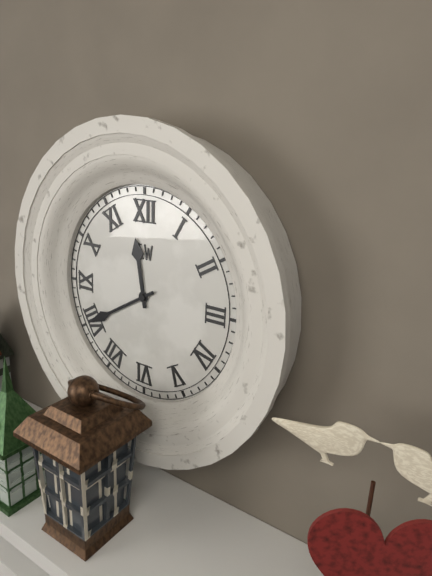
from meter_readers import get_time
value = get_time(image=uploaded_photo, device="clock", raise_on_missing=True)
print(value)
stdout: 11:40
